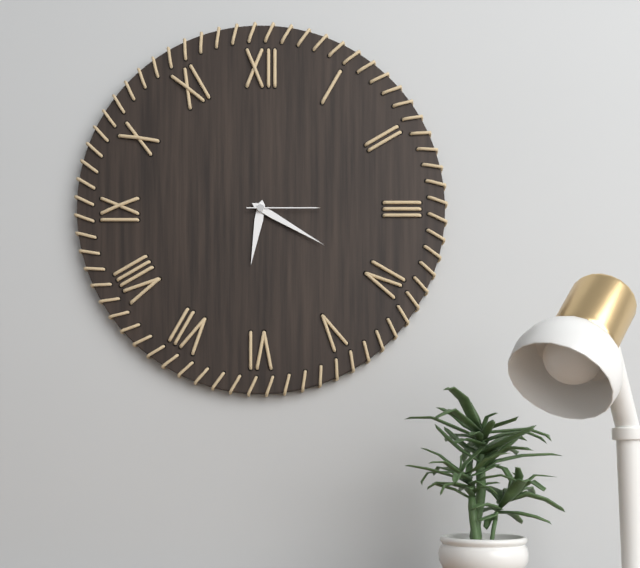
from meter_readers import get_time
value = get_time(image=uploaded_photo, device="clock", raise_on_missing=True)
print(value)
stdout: 6:20:15
